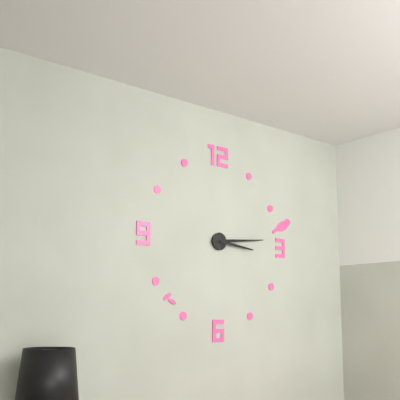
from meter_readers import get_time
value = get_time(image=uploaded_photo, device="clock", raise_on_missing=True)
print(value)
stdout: 3:14
